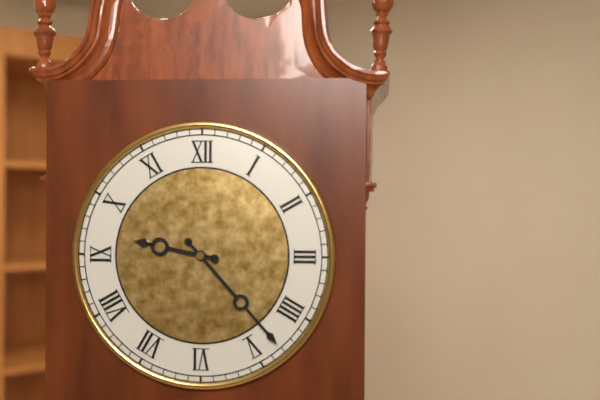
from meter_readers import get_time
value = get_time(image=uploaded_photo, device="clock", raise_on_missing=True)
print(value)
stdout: 9:23
